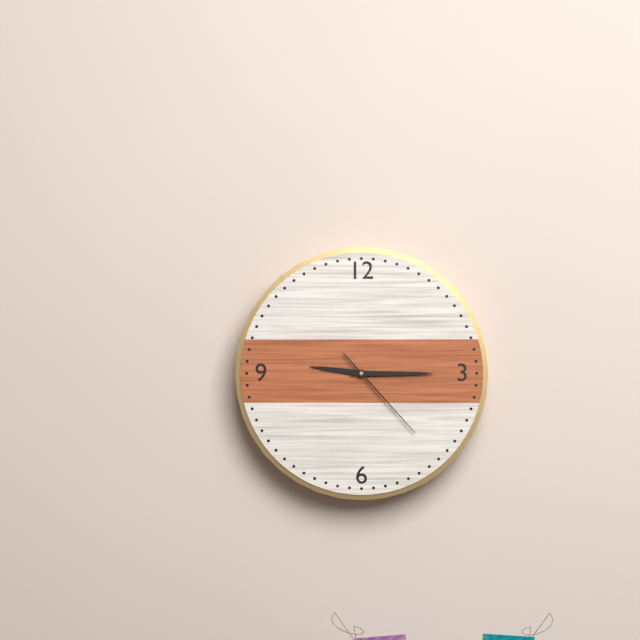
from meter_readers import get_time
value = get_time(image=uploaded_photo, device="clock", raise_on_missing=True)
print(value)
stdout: 9:15:23
